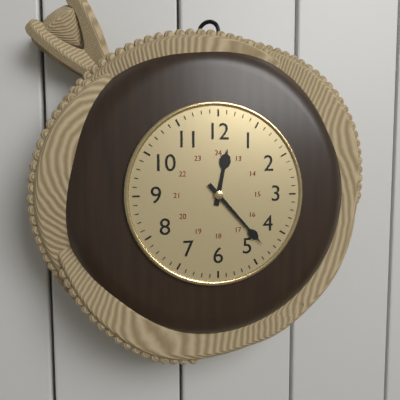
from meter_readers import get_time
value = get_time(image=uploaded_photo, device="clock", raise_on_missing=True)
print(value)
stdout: 12:23
